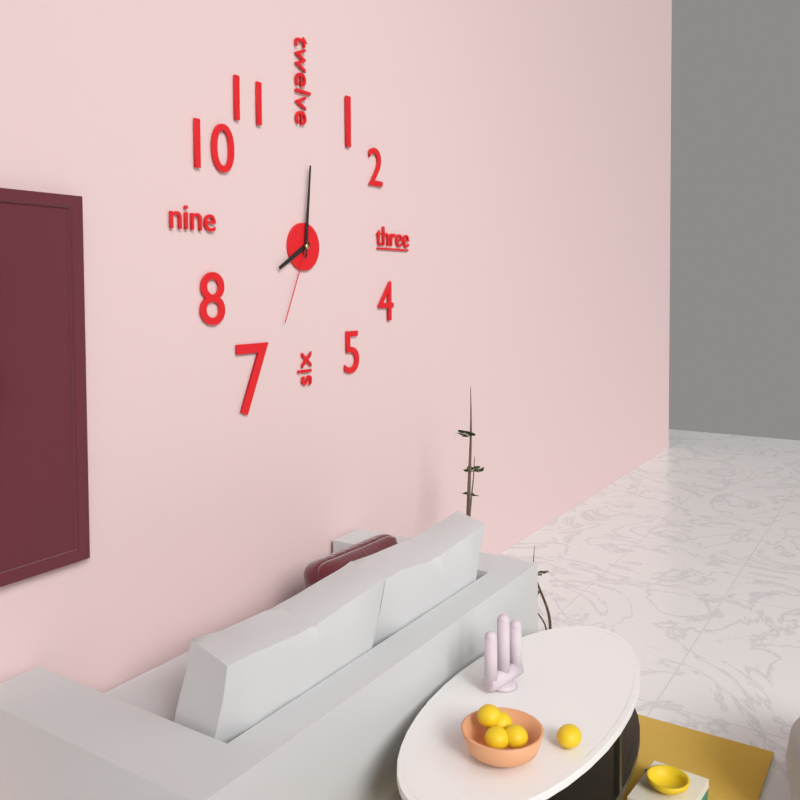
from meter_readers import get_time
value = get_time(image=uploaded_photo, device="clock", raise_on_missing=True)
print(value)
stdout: 8:01:34
